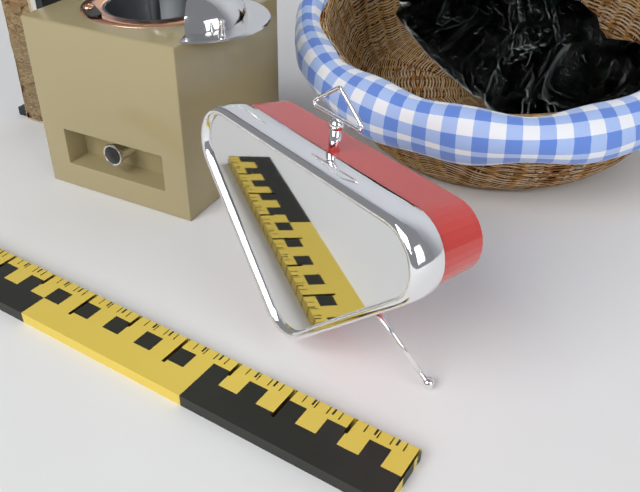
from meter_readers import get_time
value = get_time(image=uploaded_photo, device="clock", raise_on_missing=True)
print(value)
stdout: 12:01:41
